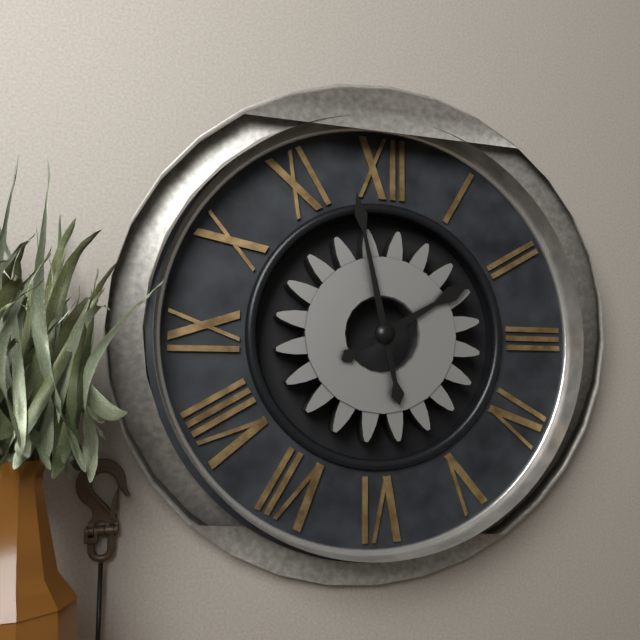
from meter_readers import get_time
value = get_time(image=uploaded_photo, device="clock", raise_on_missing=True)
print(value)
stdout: 1:58
